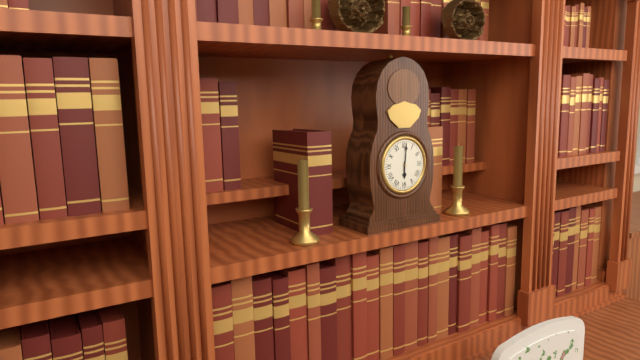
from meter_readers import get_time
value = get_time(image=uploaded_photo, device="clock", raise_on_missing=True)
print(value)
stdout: 6:01
